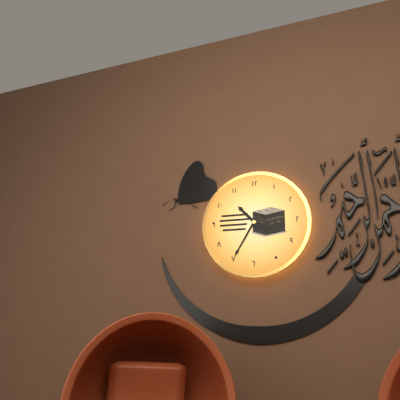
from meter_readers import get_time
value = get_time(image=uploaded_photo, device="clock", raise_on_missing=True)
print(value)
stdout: 10:35
